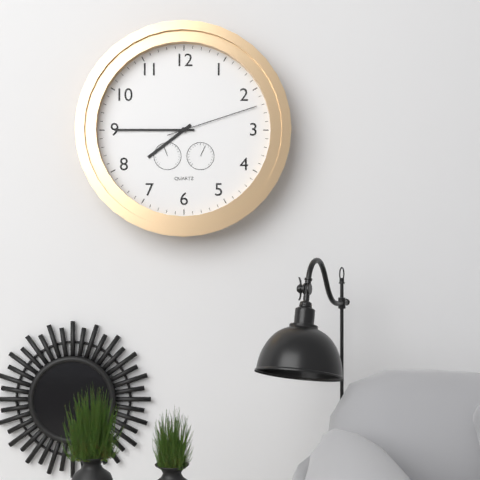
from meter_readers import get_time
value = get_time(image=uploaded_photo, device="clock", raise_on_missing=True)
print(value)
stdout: 7:45:12
